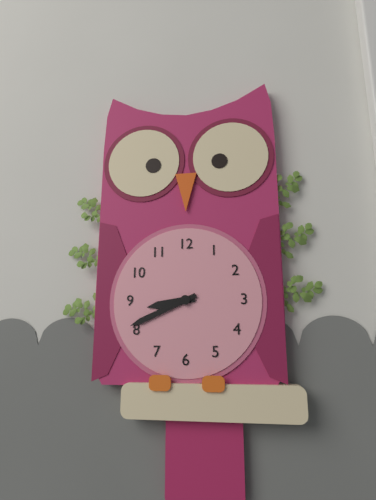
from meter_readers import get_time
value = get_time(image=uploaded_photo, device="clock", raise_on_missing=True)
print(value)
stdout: 8:41
